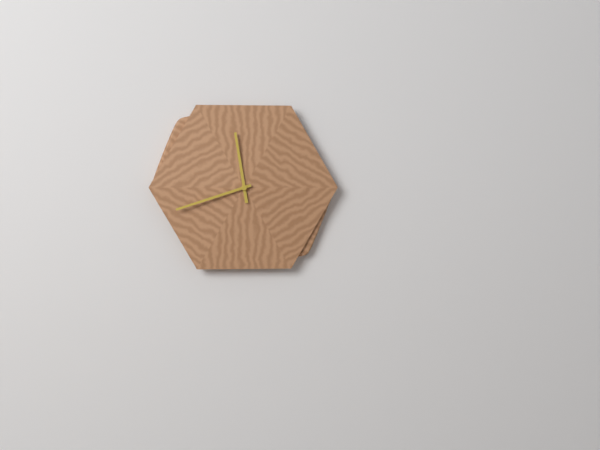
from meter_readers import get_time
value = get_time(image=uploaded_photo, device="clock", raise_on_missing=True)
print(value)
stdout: 11:42
